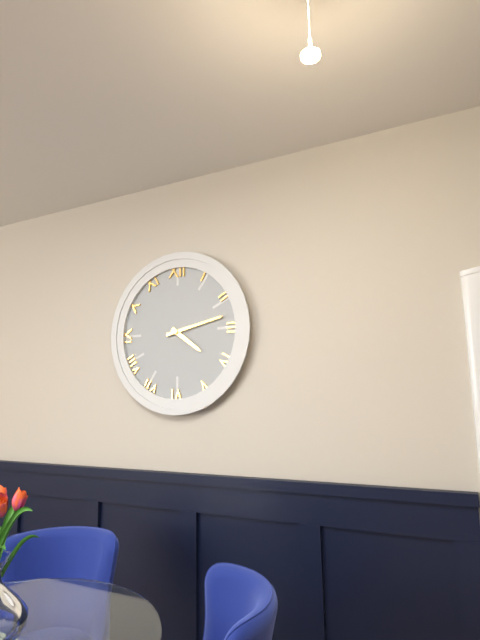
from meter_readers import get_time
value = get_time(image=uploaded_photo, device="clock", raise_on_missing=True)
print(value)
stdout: 4:13
